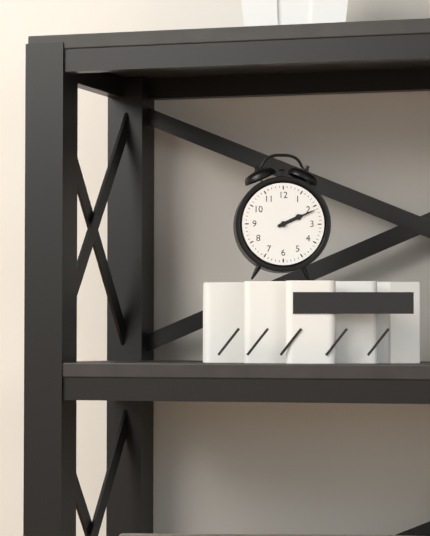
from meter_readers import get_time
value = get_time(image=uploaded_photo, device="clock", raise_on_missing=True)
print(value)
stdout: 2:11
